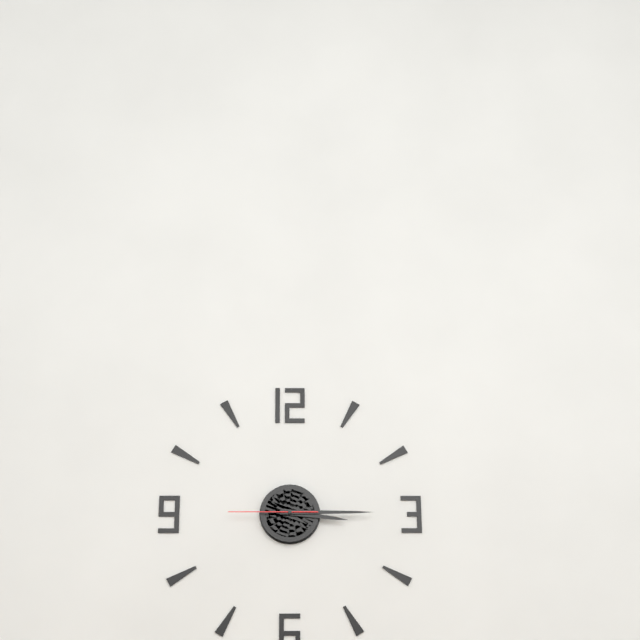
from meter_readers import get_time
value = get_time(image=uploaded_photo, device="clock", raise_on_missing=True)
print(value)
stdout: 3:15:45
